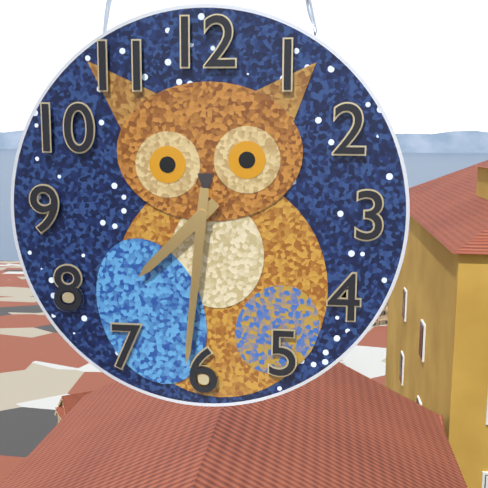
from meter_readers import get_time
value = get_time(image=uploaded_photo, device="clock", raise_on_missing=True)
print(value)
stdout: 7:31
